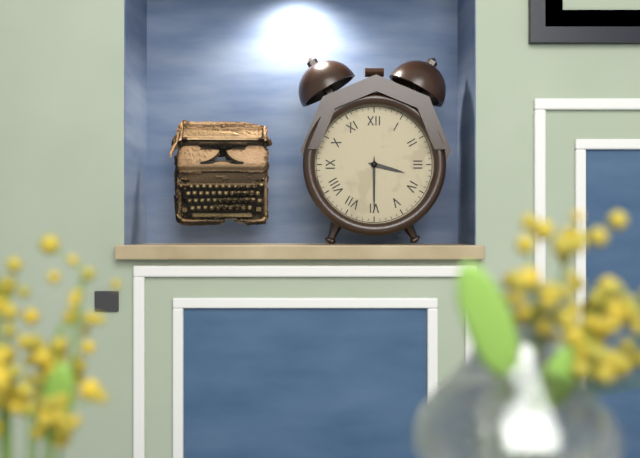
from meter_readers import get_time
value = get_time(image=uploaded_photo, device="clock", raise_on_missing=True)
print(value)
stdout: 3:30
